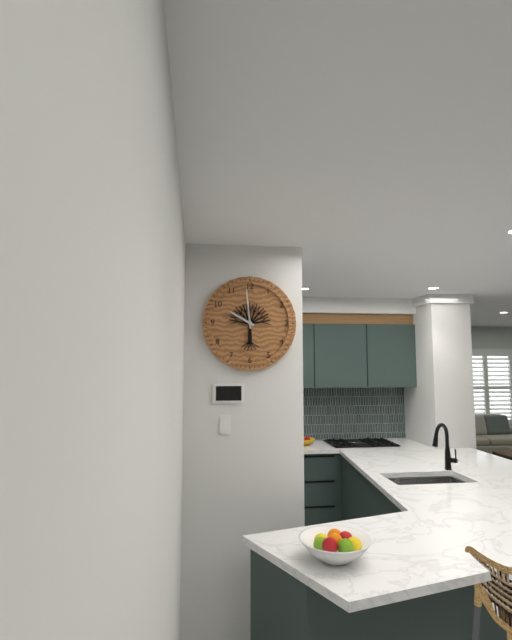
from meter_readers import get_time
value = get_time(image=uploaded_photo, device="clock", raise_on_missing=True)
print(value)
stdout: 9:59
